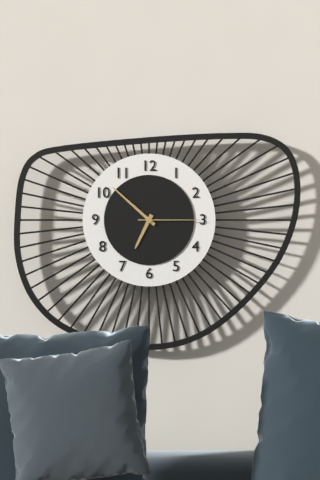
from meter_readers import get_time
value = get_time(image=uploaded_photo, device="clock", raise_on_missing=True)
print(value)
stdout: 6:52:15
